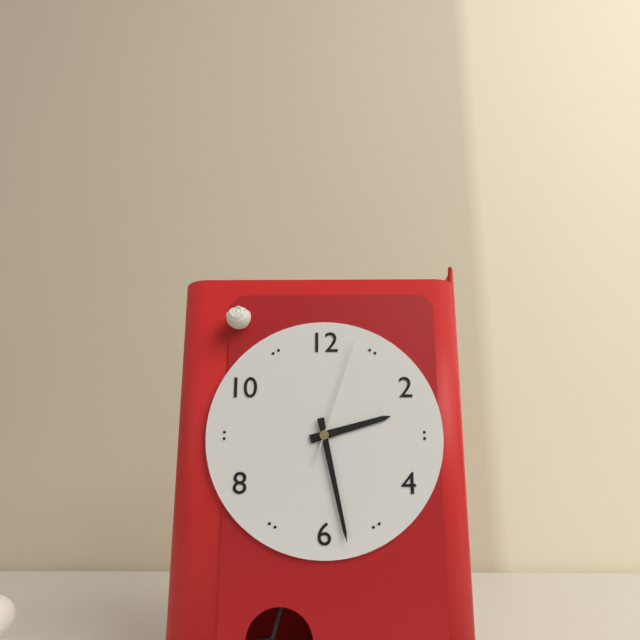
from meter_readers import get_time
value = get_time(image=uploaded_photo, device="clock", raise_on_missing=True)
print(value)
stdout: 2:28:03
